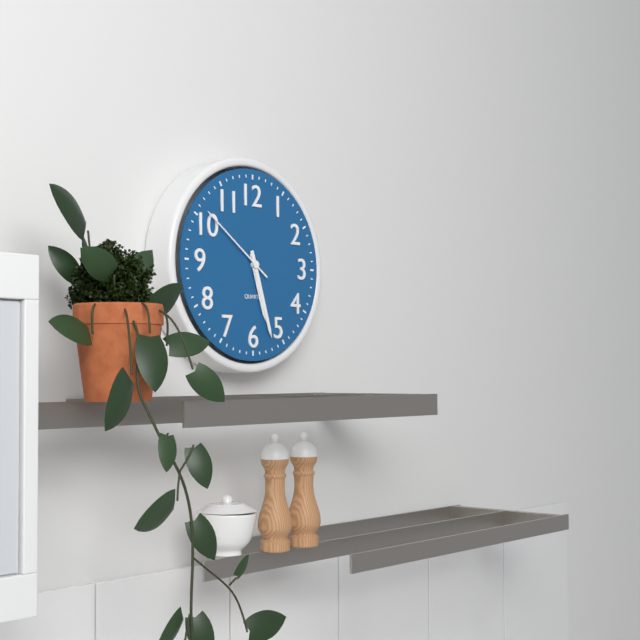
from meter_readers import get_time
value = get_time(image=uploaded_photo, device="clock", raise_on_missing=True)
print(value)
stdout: 5:27:51
